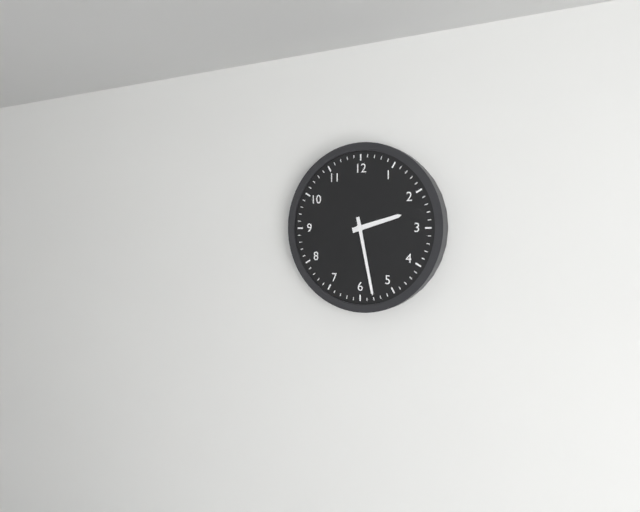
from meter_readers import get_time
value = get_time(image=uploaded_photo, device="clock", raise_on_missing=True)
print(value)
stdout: 2:28
